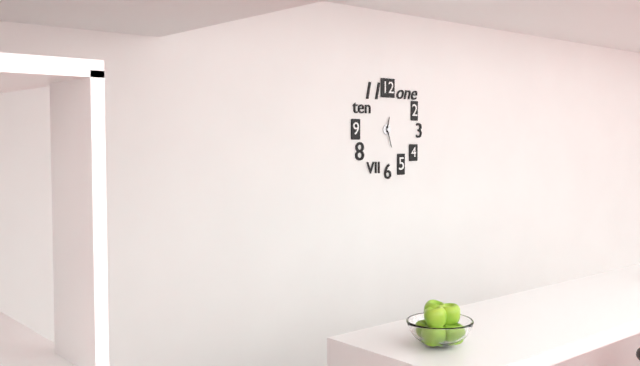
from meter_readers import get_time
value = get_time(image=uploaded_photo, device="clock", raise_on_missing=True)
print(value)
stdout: 12:27
